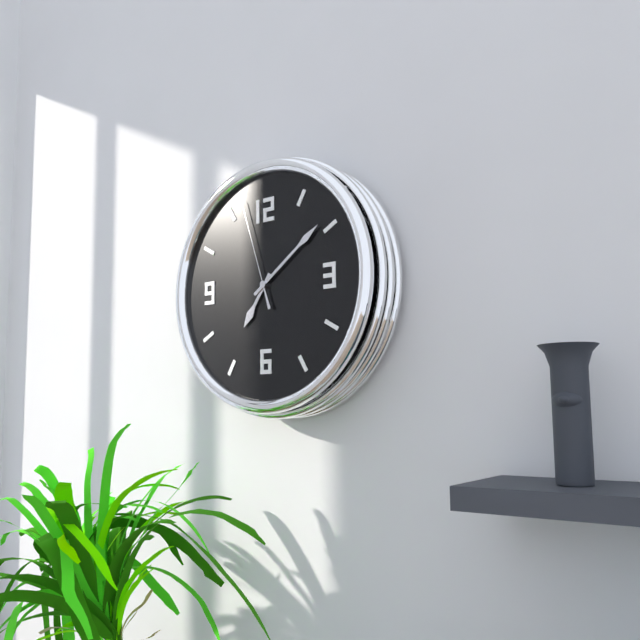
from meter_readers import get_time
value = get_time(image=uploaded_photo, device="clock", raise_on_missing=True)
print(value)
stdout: 7:09:57
